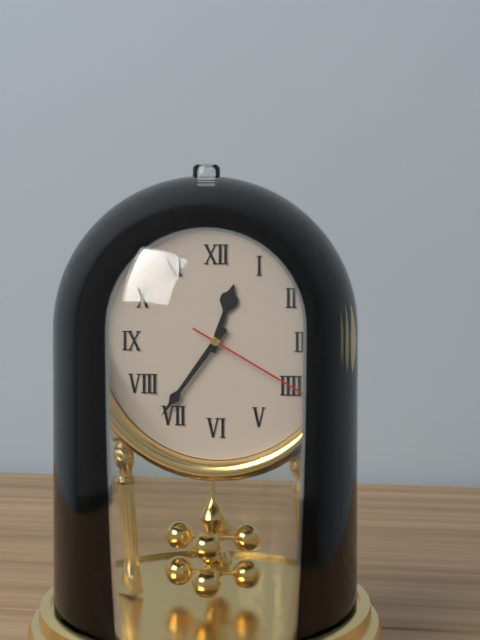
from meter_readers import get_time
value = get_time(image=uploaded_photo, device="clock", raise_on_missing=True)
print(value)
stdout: 12:36:20
